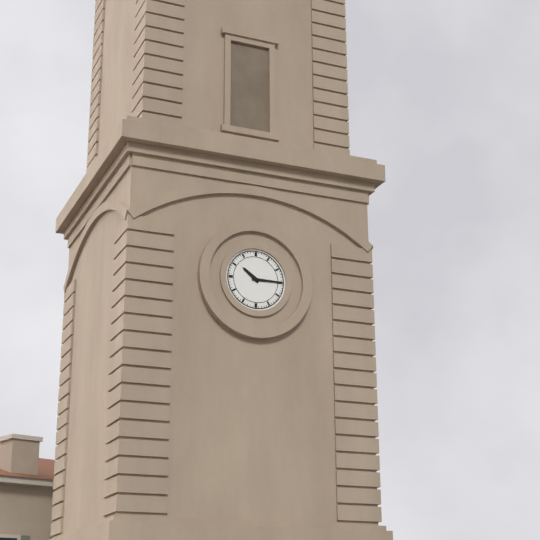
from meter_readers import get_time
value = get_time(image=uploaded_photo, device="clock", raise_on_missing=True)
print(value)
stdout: 10:15
